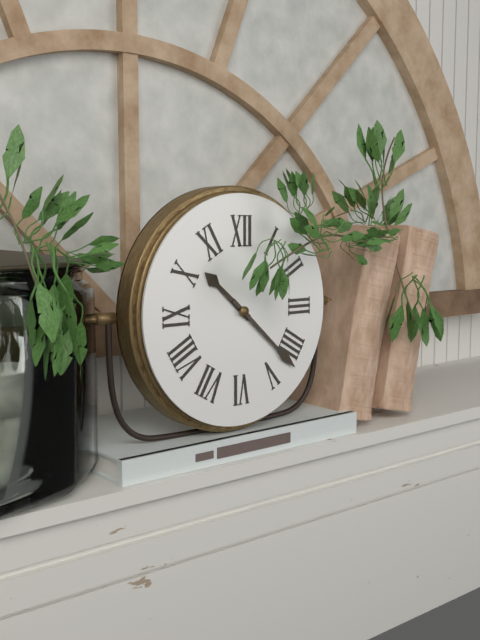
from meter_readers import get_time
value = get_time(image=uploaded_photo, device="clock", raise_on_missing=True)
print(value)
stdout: 10:22
